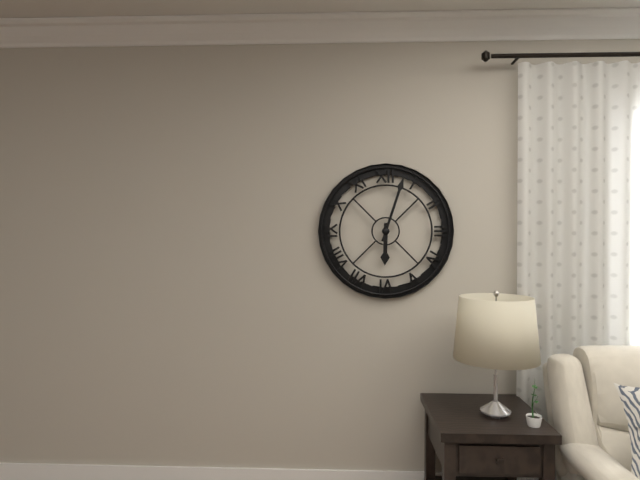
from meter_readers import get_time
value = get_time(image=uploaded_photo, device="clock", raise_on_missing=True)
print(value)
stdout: 6:03
